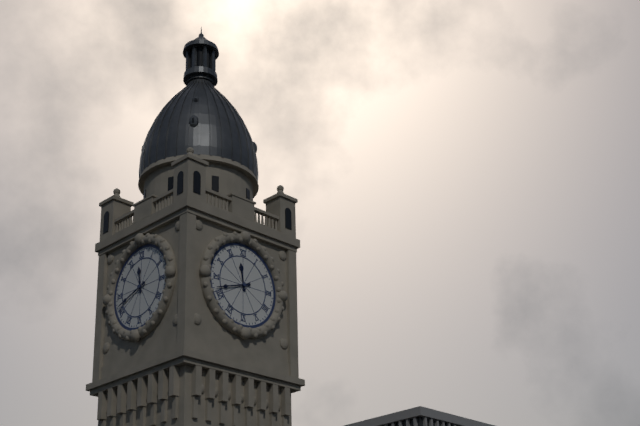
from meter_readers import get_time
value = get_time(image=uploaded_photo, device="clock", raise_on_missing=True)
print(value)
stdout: 11:42
